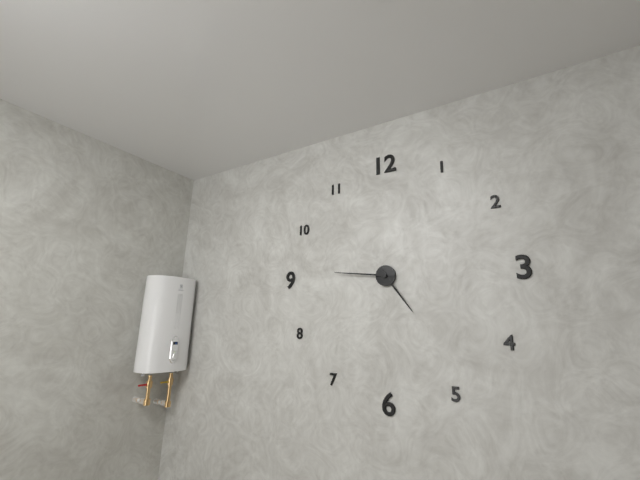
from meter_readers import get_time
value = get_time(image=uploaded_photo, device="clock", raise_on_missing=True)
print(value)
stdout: 4:46
